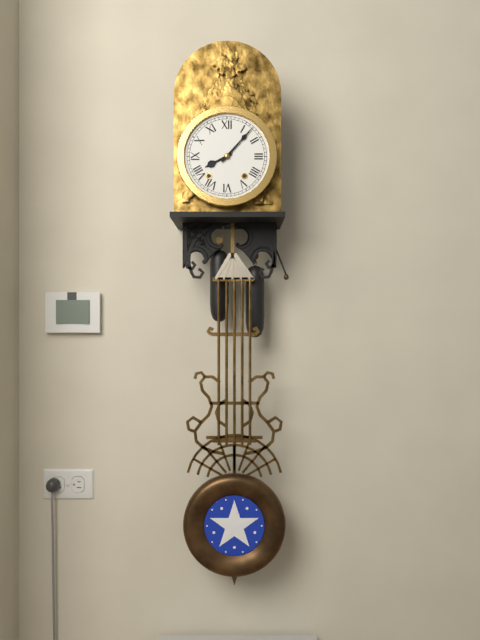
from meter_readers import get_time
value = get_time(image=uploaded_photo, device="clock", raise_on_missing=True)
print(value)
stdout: 8:07
